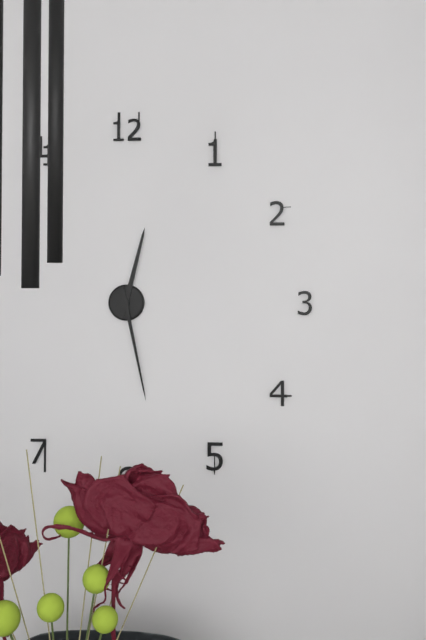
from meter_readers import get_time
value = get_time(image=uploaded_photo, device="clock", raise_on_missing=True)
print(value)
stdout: 12:28
